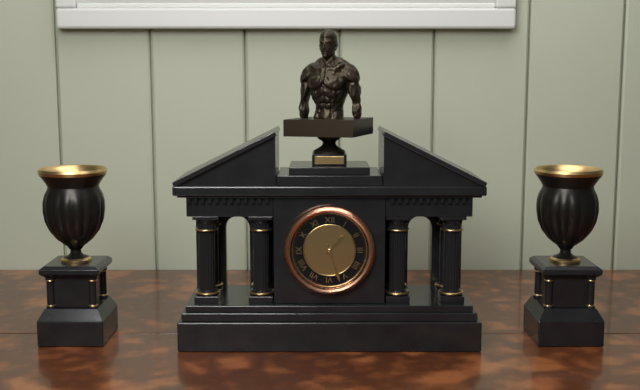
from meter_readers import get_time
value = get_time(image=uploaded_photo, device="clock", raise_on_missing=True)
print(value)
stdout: 1:27
